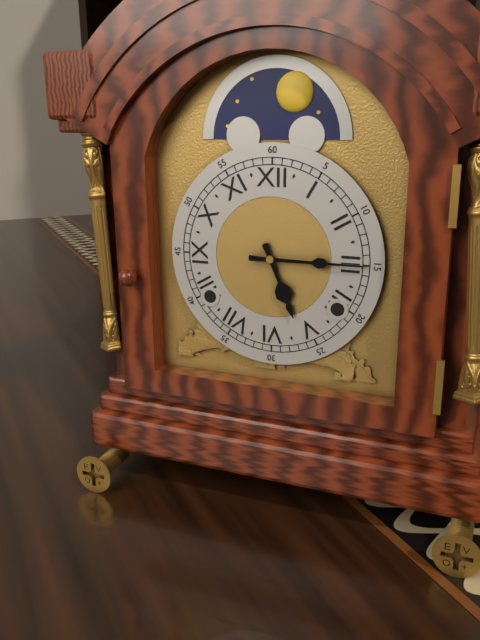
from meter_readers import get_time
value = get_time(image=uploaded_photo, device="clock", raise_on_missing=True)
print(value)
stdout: 5:15
